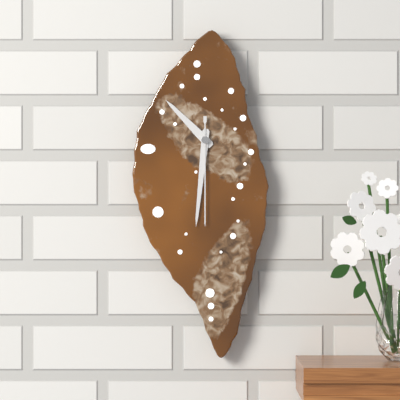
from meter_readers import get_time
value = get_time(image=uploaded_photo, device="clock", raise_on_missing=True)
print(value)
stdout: 10:31:30
